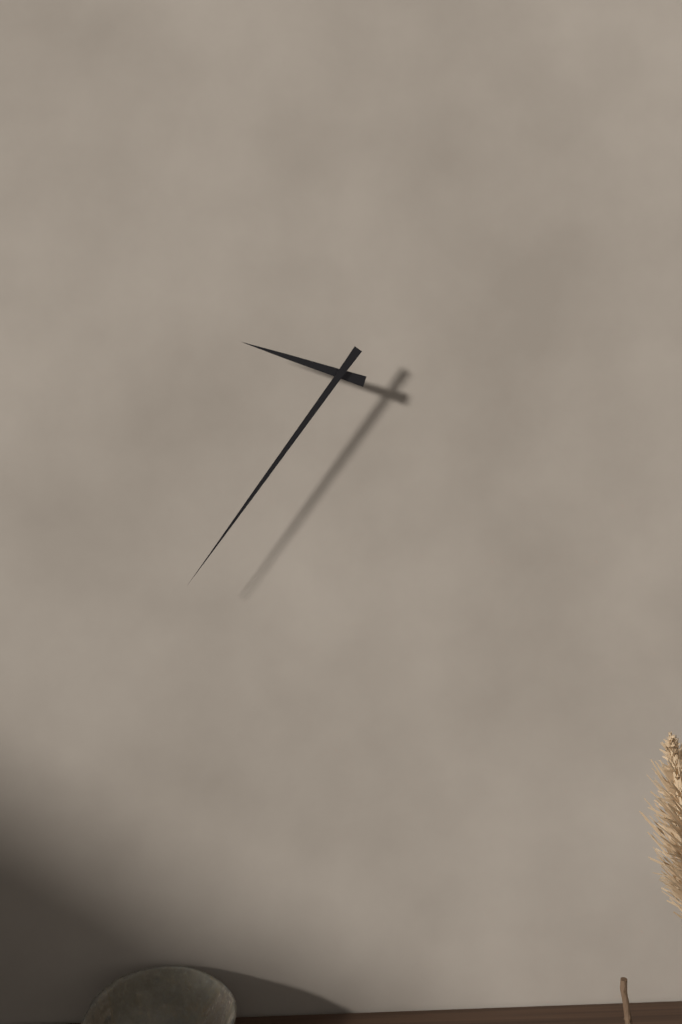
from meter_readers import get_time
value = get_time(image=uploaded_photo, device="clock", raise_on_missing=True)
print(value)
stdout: 9:36
